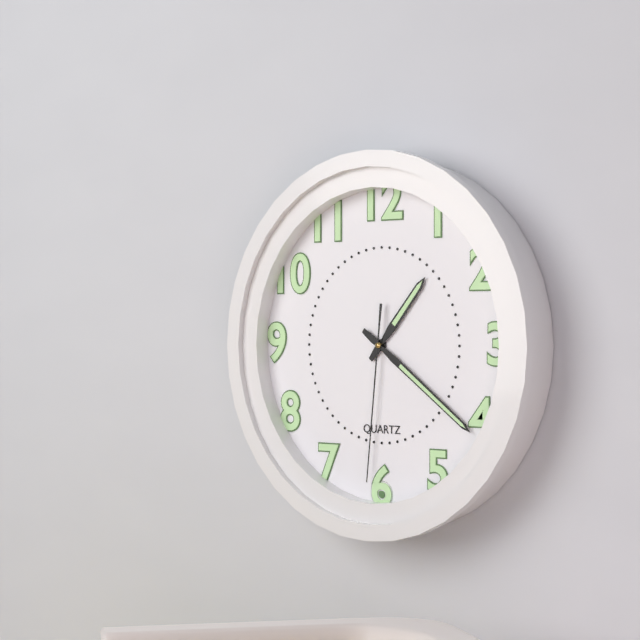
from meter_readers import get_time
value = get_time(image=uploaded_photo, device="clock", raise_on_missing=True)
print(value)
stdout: 1:21:31
